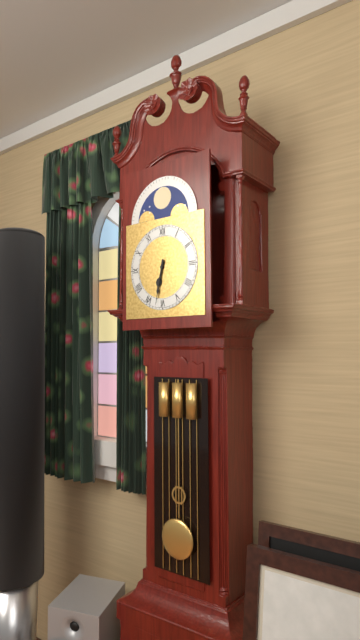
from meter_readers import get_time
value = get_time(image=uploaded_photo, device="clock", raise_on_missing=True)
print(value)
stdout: 6:32
